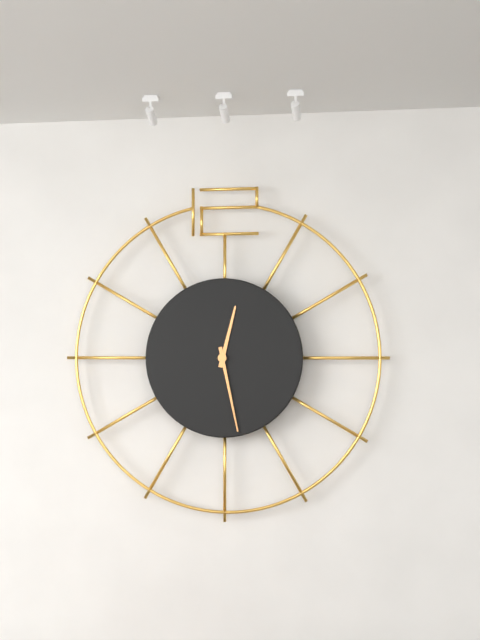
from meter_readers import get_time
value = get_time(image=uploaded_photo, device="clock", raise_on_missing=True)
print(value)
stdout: 12:28
